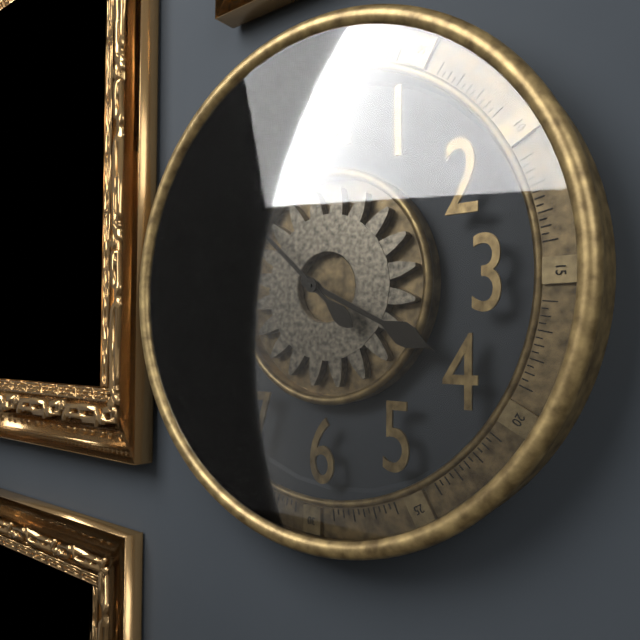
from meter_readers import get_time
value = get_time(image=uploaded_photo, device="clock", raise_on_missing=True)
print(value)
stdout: 3:52
